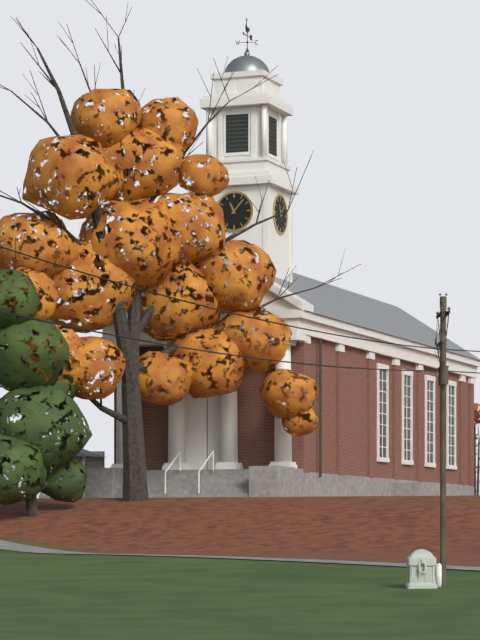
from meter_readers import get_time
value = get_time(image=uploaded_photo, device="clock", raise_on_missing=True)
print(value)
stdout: 11:07
